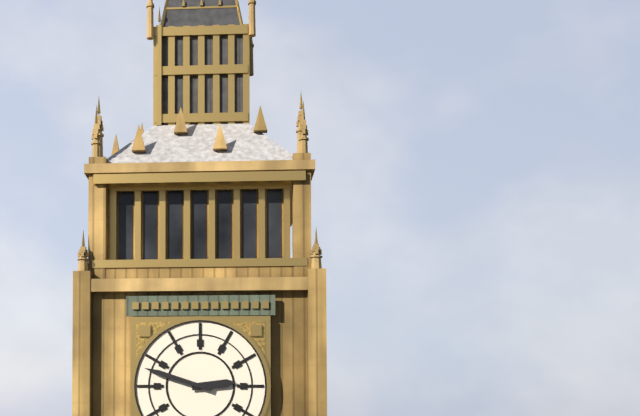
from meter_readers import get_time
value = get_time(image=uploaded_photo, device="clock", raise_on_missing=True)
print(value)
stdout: 2:48
